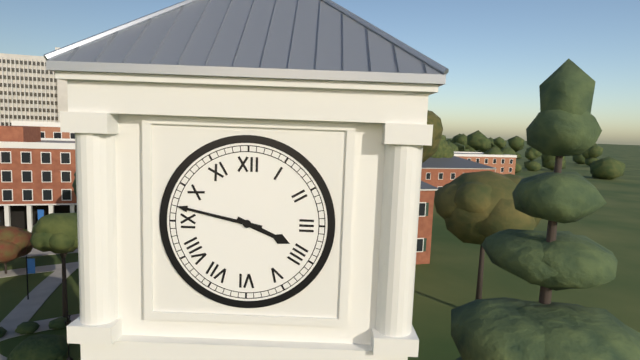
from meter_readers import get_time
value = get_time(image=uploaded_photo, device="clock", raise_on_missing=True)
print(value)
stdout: 3:47
